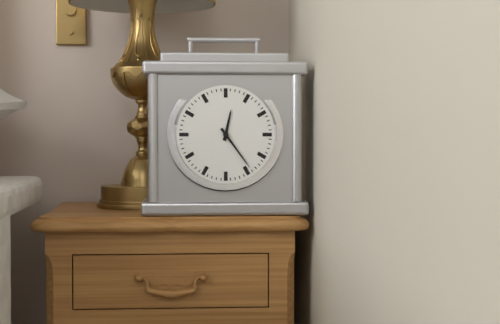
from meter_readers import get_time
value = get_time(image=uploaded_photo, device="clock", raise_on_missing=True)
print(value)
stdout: 12:24
